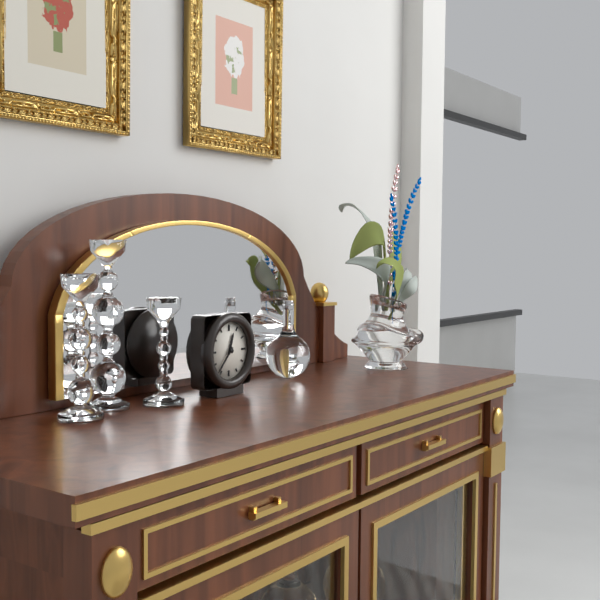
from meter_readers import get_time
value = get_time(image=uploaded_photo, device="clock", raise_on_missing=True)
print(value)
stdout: 12:37
